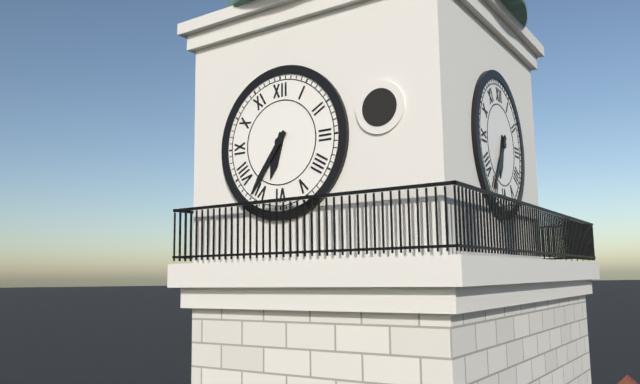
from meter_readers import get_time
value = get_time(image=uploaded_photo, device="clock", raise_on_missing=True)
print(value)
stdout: 6:36
